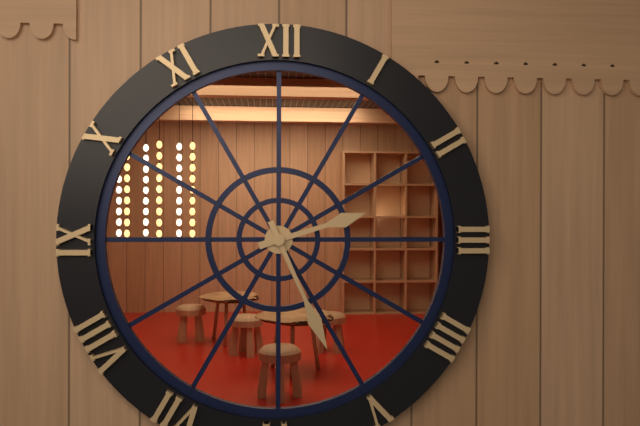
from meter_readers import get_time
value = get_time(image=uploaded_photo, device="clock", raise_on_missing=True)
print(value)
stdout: 2:26
